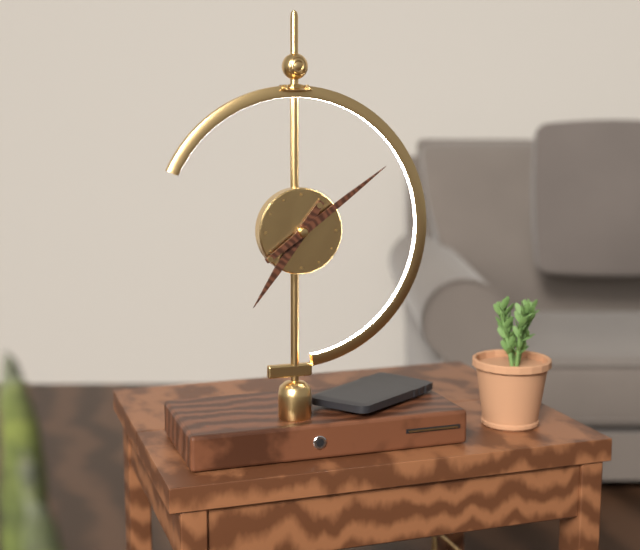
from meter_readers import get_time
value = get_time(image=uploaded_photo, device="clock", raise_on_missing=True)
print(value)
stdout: 7:09
